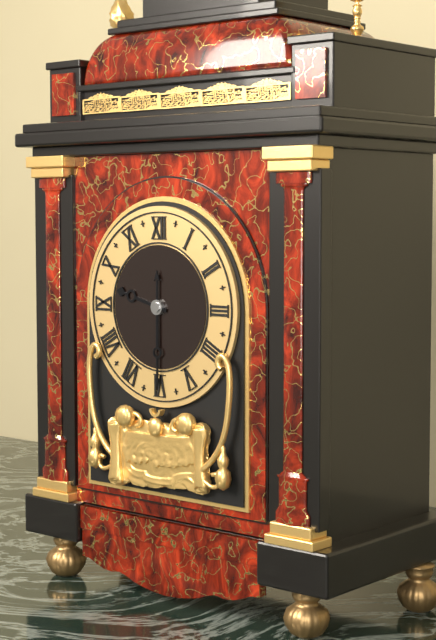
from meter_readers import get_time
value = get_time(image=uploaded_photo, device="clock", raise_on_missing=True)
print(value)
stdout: 9:30
